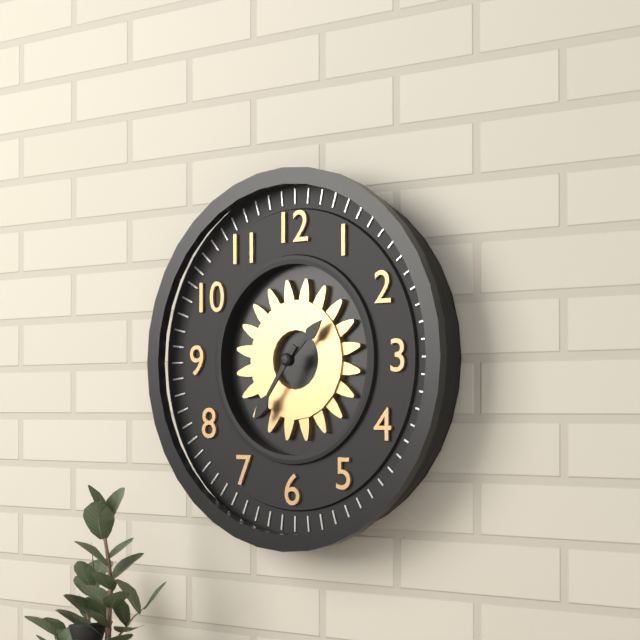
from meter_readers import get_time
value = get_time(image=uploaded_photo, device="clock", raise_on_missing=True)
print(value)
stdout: 1:36
